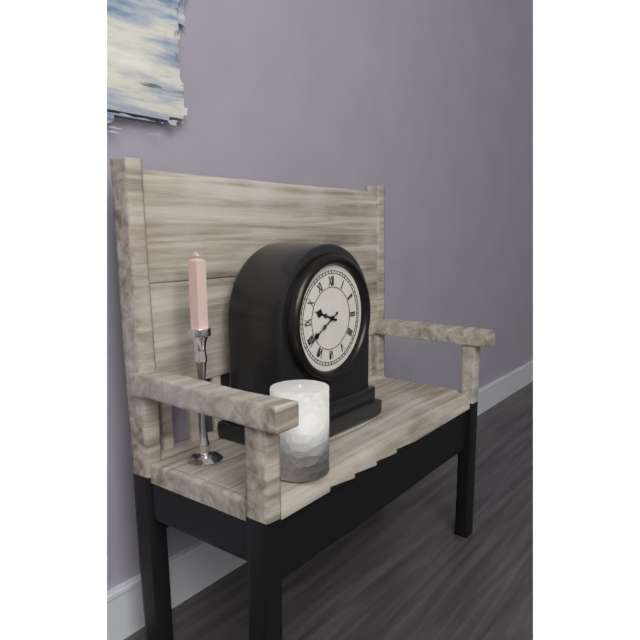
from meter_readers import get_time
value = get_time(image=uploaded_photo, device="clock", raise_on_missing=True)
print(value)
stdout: 9:40
